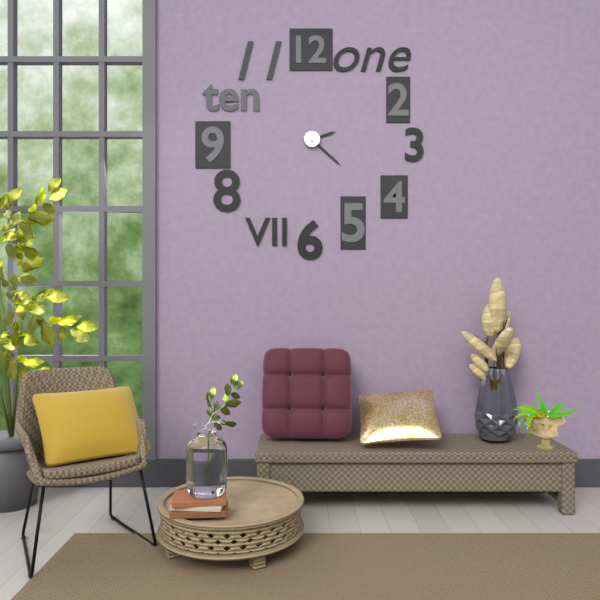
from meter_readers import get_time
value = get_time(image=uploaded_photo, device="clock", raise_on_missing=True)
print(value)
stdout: 2:22
